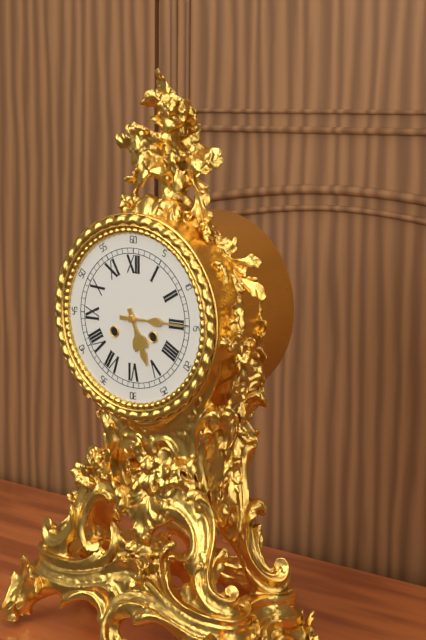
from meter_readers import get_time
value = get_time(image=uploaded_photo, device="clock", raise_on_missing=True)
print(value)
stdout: 5:15
